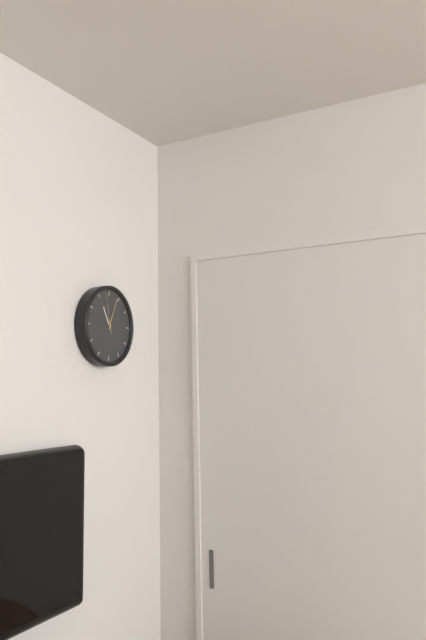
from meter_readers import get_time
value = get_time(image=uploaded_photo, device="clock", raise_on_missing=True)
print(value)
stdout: 11:04
